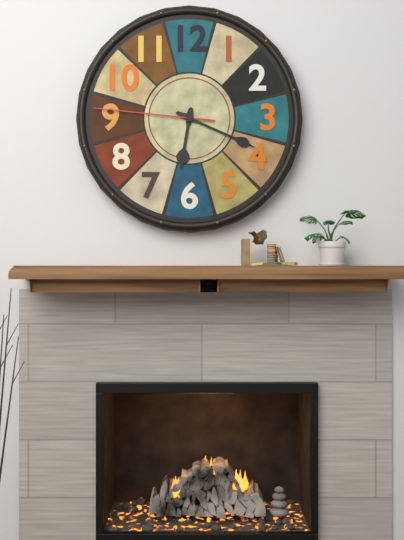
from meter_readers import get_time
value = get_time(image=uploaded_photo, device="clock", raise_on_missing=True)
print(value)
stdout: 6:19:46
